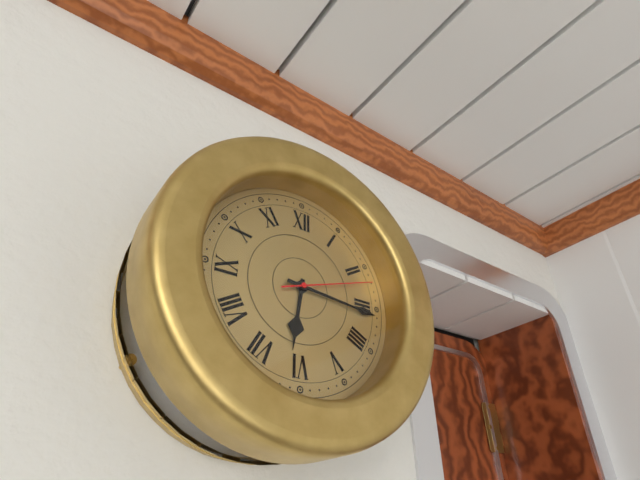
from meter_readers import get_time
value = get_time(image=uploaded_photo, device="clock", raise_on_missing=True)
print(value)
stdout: 6:16:12
